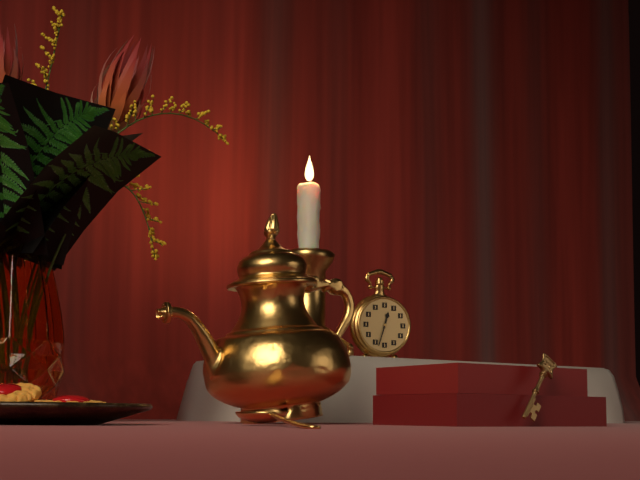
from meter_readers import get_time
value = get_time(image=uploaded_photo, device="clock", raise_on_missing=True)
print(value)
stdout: 12:33
